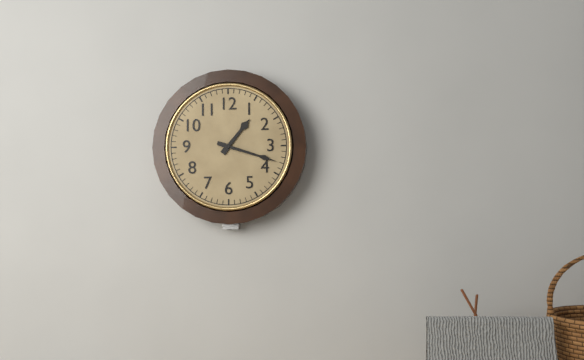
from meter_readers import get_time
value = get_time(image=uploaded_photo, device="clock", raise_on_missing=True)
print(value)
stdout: 1:18
